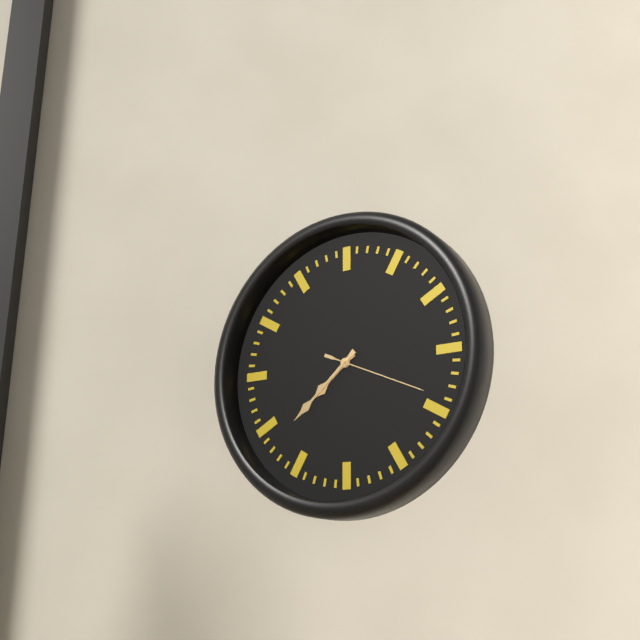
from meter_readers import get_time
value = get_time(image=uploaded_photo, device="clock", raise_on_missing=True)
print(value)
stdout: 7:38:19
